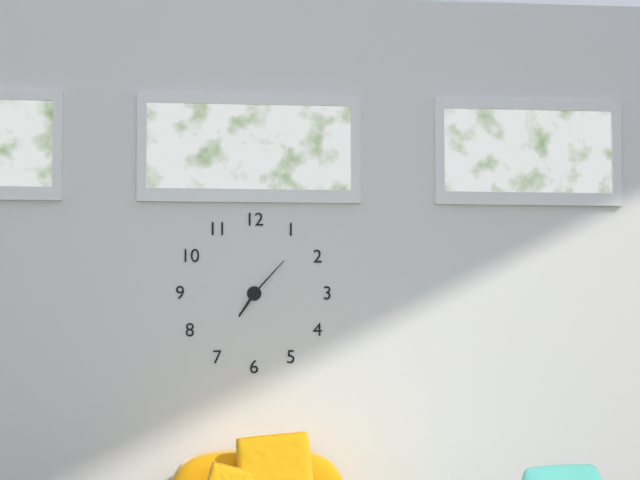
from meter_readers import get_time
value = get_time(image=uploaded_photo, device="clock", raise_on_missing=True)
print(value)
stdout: 7:07
